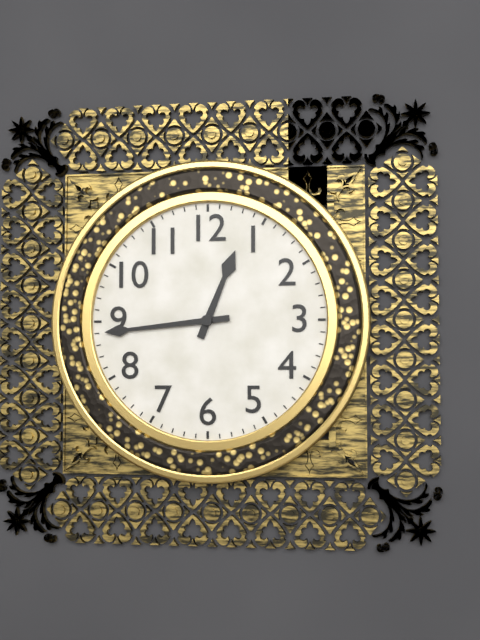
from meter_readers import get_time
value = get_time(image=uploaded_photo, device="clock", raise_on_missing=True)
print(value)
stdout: 12:44
